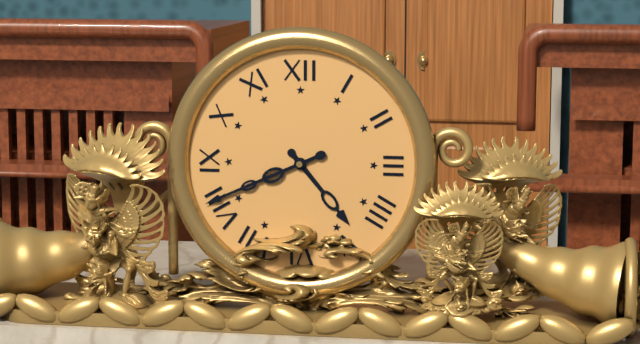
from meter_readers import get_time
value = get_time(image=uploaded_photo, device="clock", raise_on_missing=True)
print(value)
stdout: 4:41
